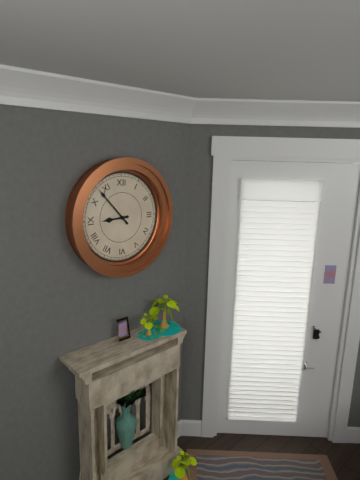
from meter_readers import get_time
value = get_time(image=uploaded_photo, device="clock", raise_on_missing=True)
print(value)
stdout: 8:53
